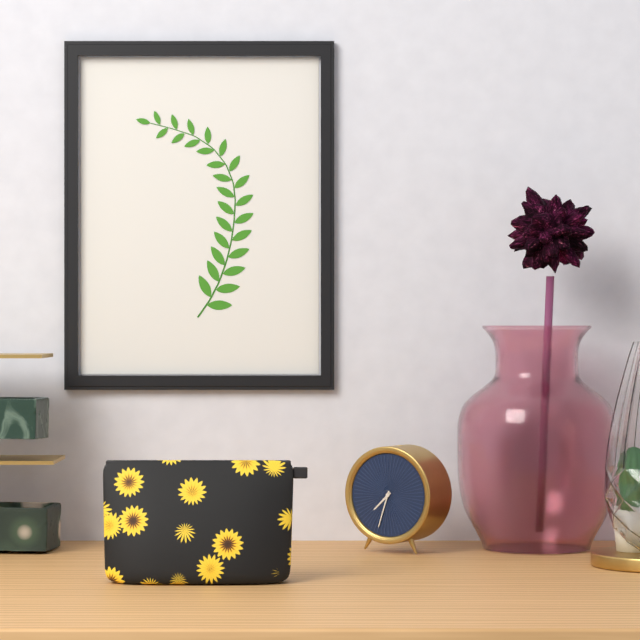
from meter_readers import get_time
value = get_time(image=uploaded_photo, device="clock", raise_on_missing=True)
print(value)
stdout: 7:33
